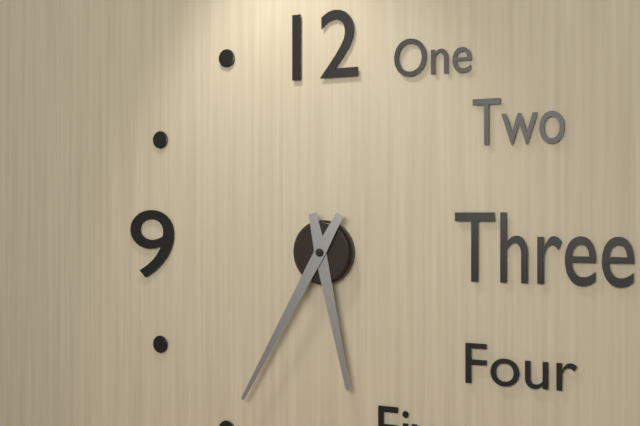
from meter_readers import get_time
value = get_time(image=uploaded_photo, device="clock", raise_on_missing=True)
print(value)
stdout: 5:35
